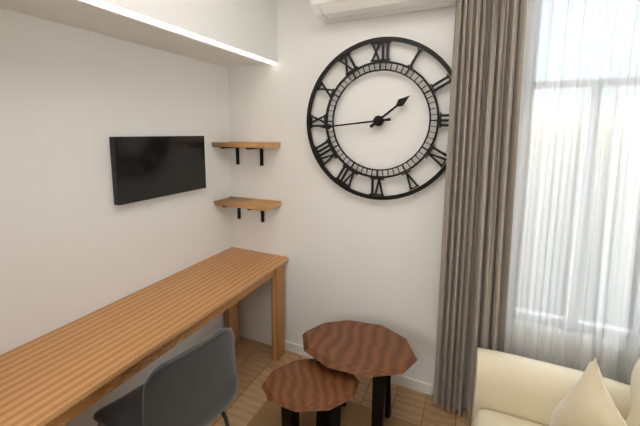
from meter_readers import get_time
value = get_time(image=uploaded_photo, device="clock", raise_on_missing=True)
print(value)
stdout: 1:44
